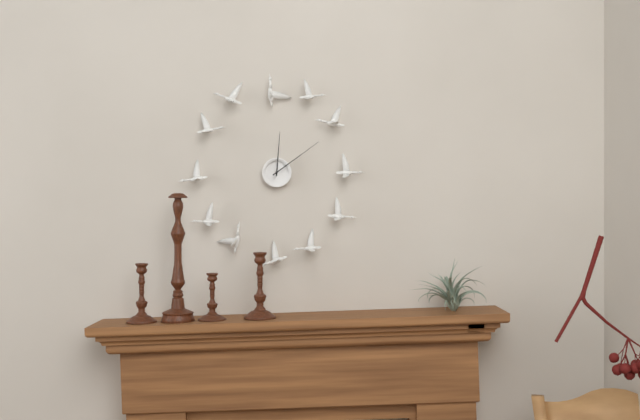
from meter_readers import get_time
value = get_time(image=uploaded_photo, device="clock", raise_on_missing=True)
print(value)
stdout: 12:09
